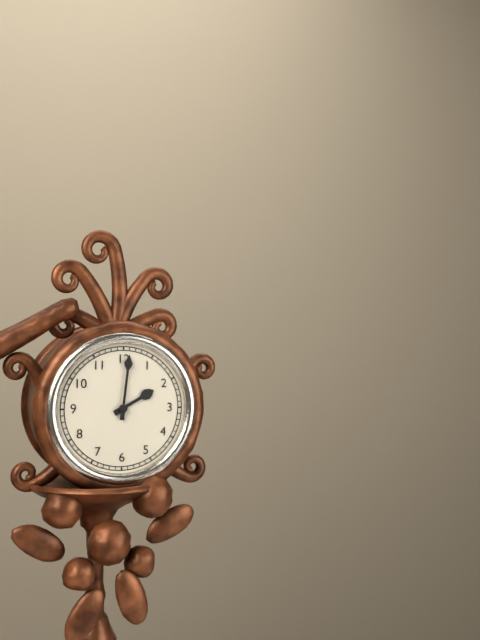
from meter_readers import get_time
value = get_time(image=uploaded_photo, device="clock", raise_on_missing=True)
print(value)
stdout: 2:01
